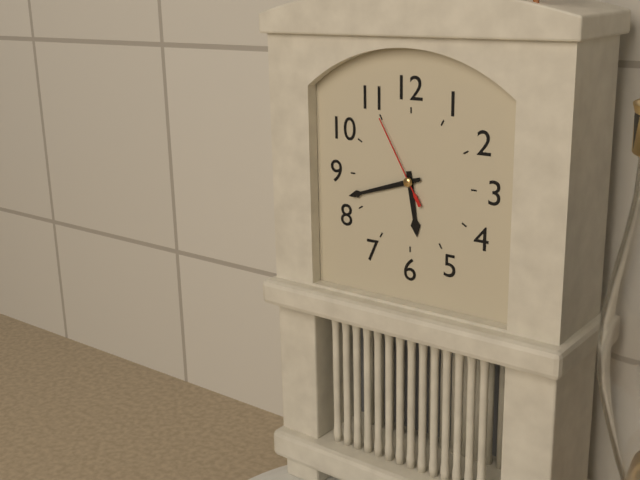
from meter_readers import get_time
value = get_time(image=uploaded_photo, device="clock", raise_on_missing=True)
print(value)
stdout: 5:42:55
